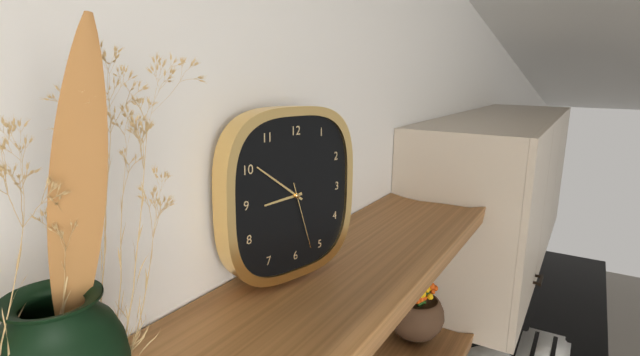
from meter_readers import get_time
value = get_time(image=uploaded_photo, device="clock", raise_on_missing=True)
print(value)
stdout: 8:51:27
